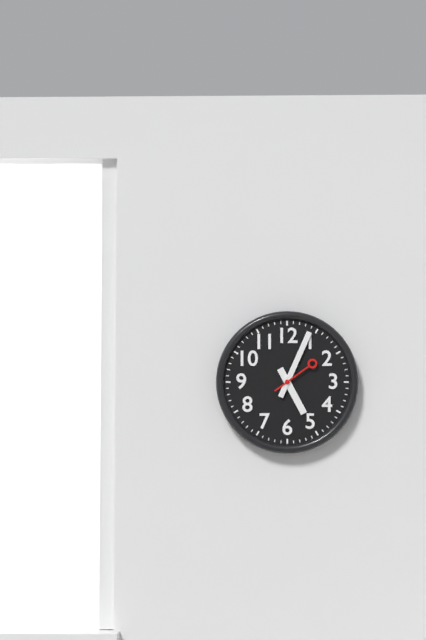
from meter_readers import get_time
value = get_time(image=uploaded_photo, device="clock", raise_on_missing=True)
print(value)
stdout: 5:04
